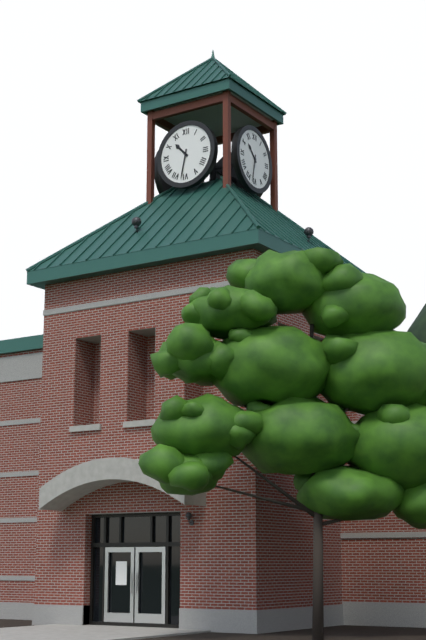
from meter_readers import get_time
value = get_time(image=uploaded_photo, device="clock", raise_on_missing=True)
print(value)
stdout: 10:32
